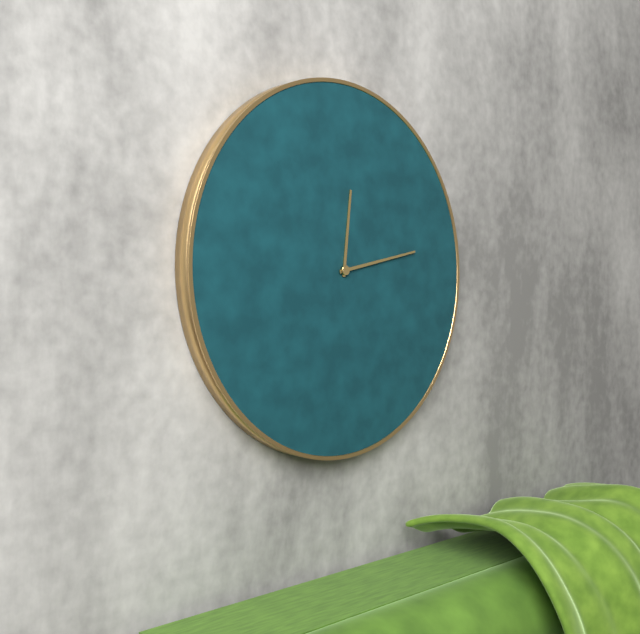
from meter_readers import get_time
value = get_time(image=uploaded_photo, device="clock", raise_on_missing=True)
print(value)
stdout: 12:13
